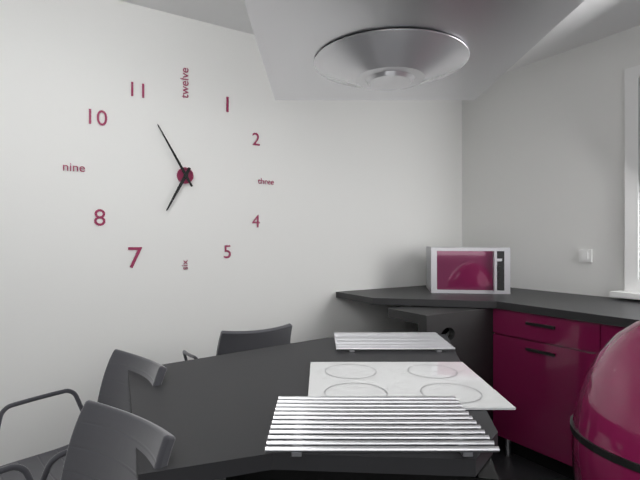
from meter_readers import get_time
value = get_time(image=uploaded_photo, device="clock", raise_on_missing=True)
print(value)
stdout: 6:55
